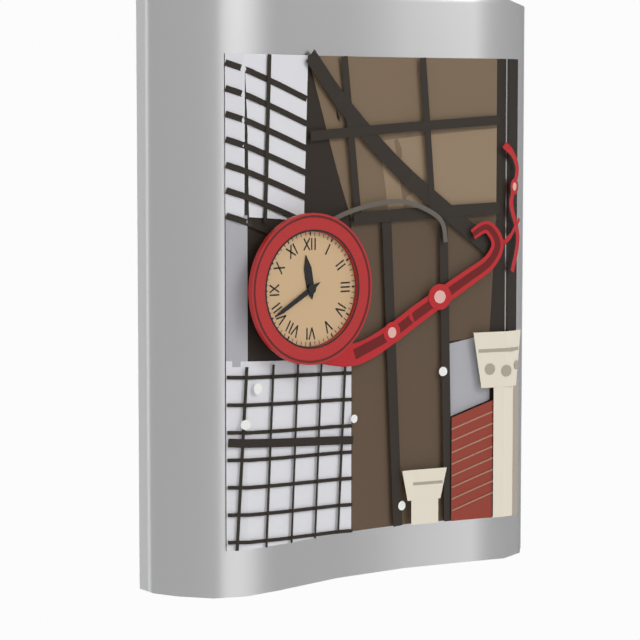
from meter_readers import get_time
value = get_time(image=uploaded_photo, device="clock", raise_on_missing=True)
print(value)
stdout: 11:40
